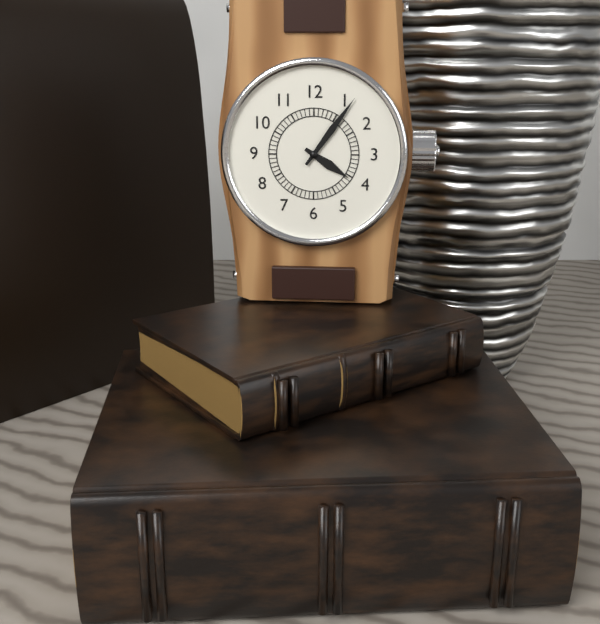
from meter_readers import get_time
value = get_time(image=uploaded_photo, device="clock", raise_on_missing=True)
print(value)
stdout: 4:06
